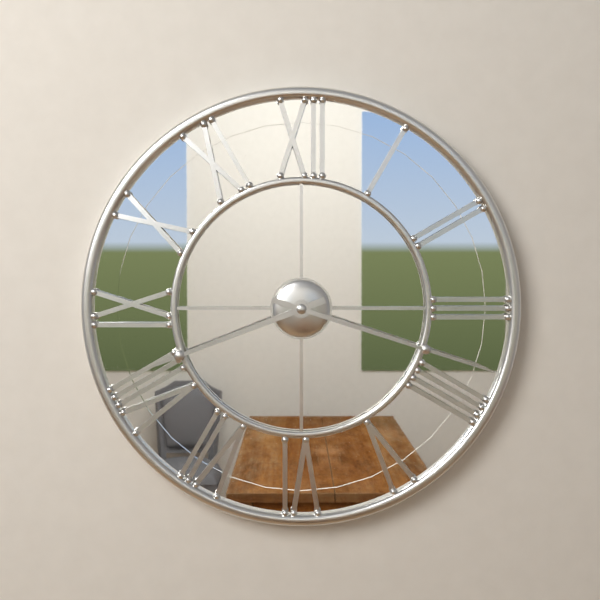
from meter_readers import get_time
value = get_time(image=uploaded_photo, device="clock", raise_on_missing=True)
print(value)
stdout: 8:18
